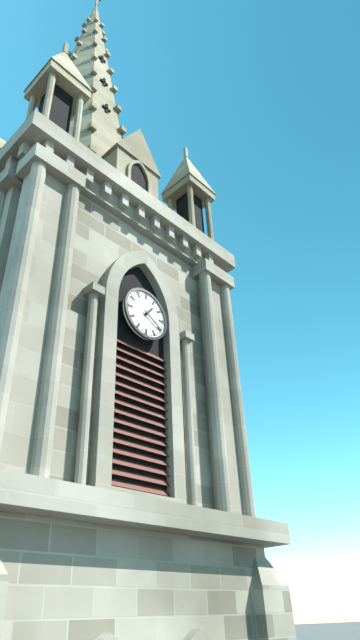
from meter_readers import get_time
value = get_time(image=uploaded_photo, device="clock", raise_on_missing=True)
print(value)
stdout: 1:20
